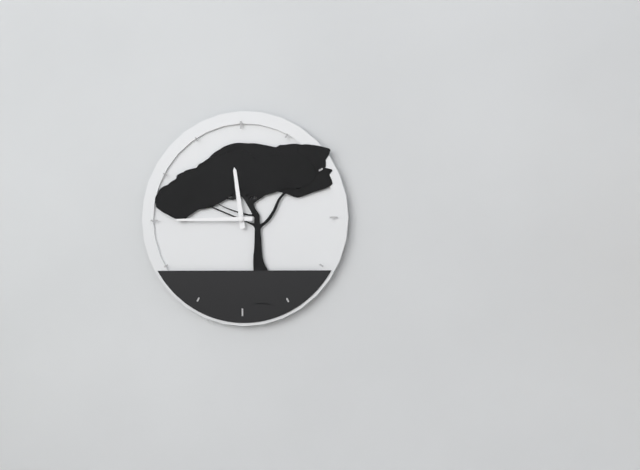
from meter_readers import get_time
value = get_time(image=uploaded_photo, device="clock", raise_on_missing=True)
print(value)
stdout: 11:45
